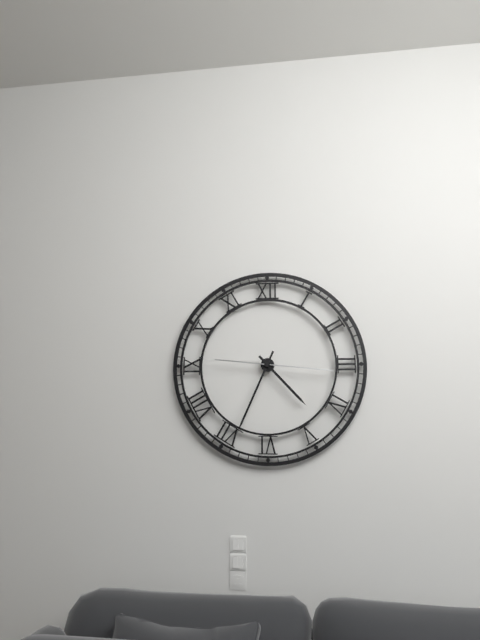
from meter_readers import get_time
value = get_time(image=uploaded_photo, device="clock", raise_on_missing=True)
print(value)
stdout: 4:34:16
